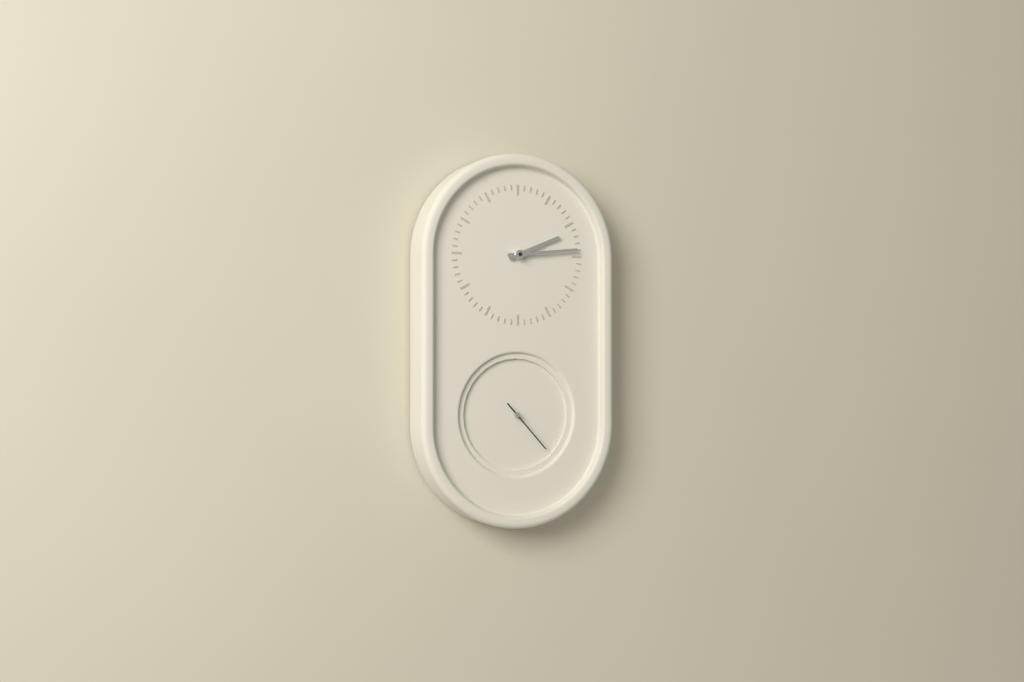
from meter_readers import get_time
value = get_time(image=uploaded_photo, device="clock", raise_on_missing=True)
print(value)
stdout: 2:14:23
